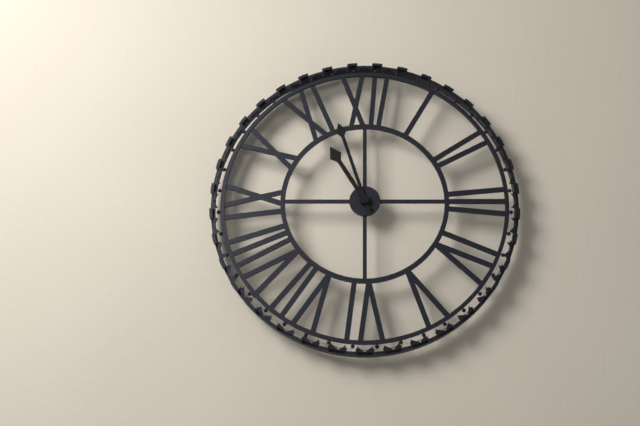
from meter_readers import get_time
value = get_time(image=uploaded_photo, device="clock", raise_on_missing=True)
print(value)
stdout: 10:57
